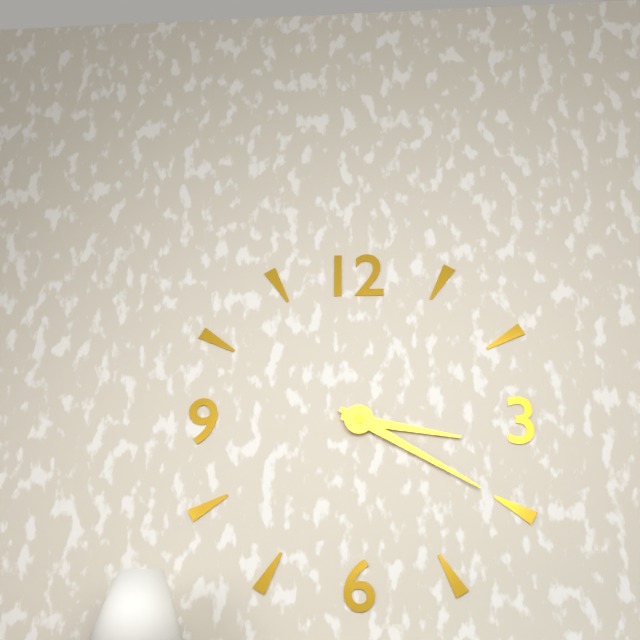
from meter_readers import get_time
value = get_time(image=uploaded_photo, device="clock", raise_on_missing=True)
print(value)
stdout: 3:20
